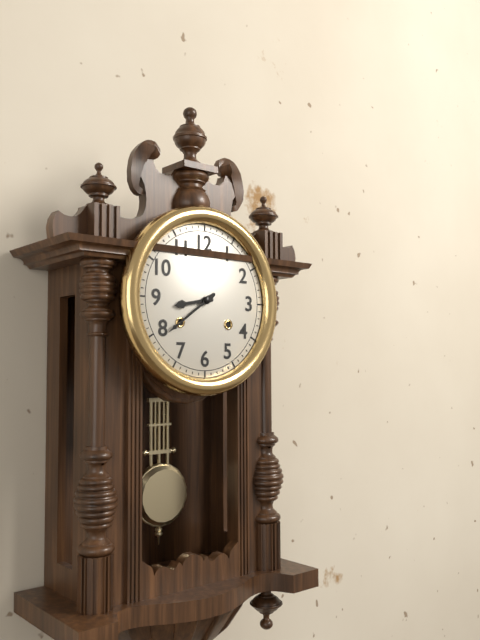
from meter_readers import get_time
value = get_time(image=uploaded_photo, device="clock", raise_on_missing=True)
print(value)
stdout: 8:39
